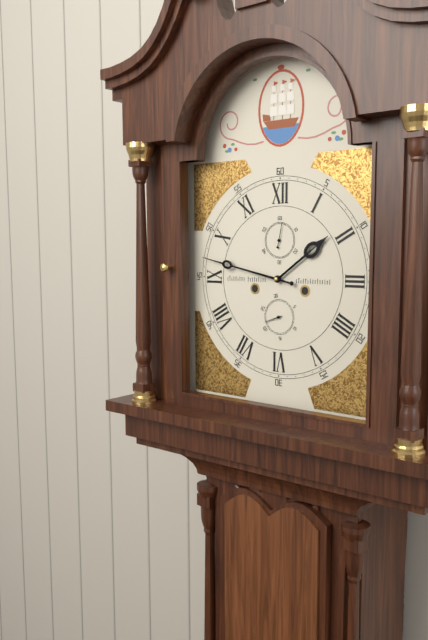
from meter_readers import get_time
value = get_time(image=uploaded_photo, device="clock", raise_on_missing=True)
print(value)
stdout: 1:47
